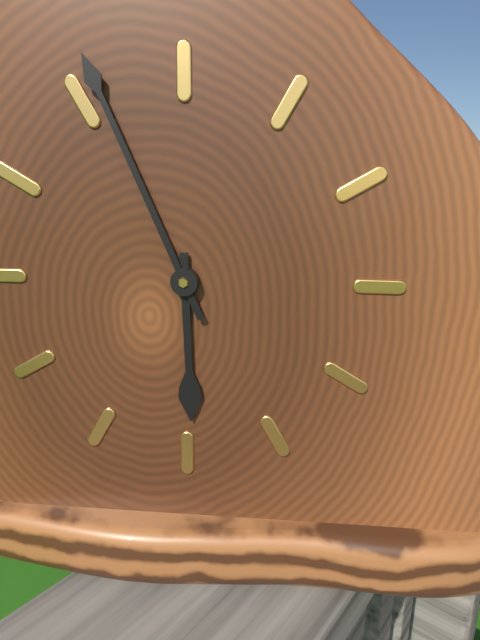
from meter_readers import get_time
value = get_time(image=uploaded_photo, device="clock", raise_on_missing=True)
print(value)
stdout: 5:56
